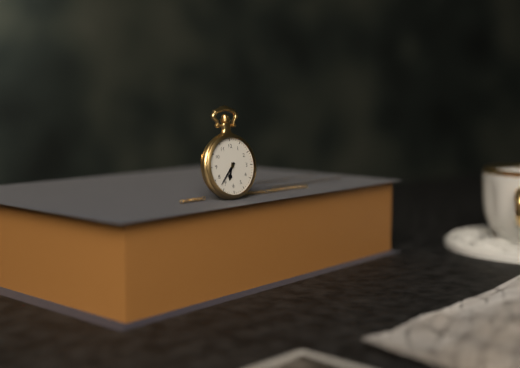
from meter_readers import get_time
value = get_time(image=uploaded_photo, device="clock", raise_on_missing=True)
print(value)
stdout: 6:37
